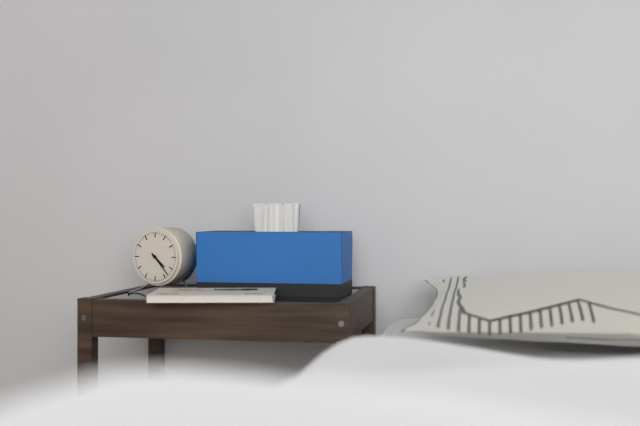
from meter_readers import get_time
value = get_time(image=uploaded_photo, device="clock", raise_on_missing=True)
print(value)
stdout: 4:23
